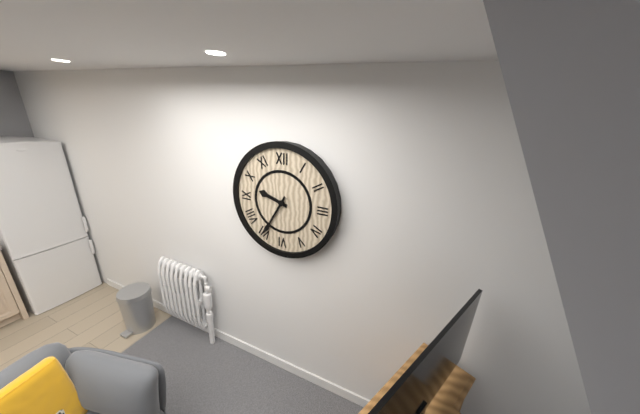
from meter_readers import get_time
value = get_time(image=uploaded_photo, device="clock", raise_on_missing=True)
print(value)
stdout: 9:35
